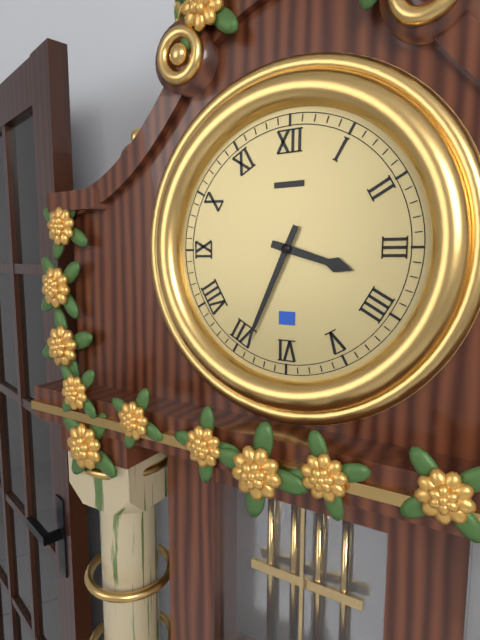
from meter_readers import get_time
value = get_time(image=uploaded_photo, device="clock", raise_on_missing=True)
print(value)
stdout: 3:34
